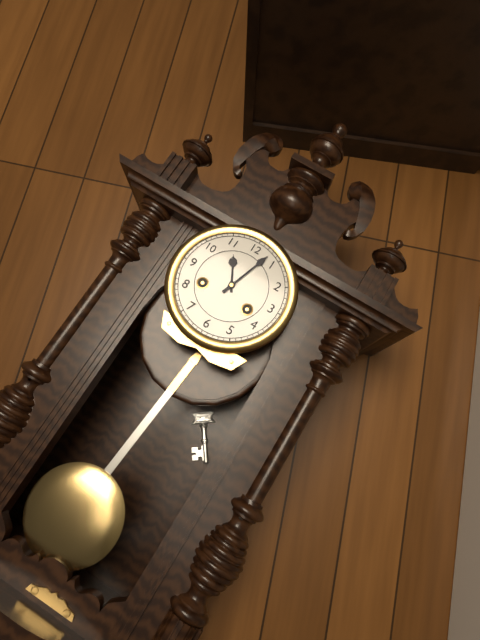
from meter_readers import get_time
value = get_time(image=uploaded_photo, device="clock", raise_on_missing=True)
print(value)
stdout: 11:03
